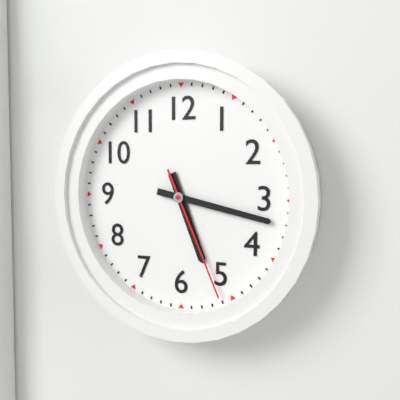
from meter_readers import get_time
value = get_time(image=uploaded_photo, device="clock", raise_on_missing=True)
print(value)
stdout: 5:17:26
